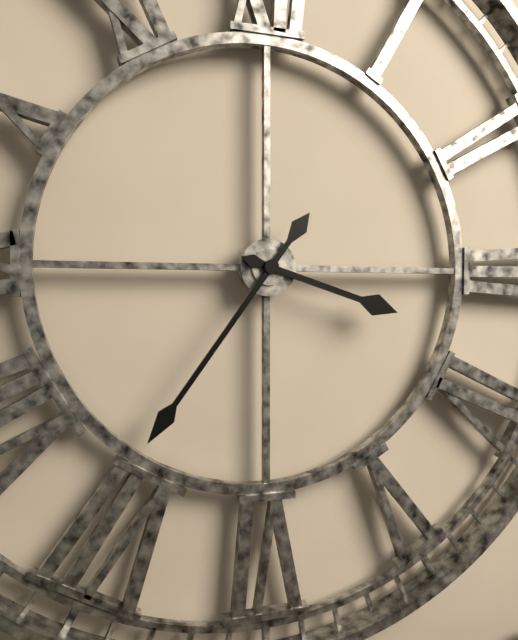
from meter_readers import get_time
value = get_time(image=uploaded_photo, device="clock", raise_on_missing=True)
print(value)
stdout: 3:36
